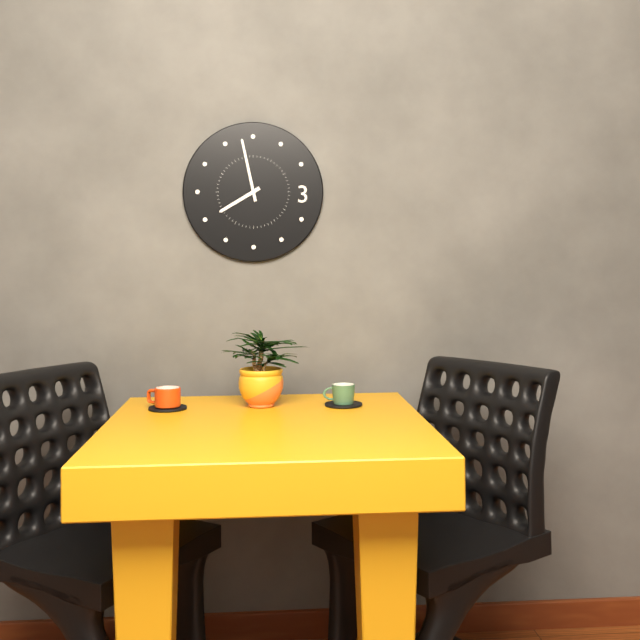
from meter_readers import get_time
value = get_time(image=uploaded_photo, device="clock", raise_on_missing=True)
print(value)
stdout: 7:58
